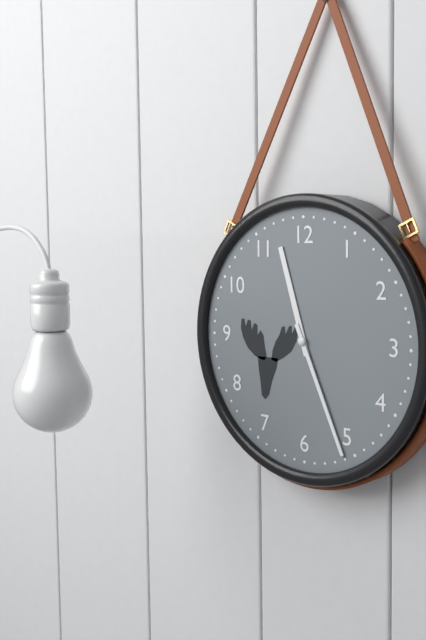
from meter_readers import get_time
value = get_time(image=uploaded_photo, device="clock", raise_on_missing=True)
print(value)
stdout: 11:26
